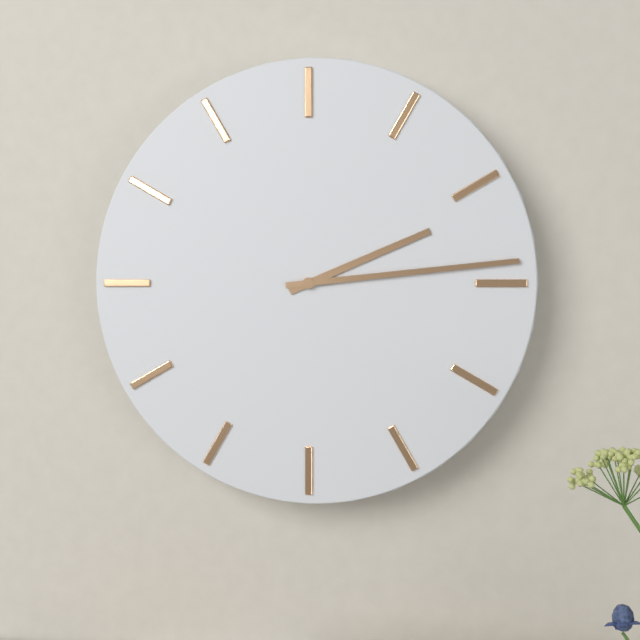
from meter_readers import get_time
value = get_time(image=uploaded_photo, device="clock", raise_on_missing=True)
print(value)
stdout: 2:14
